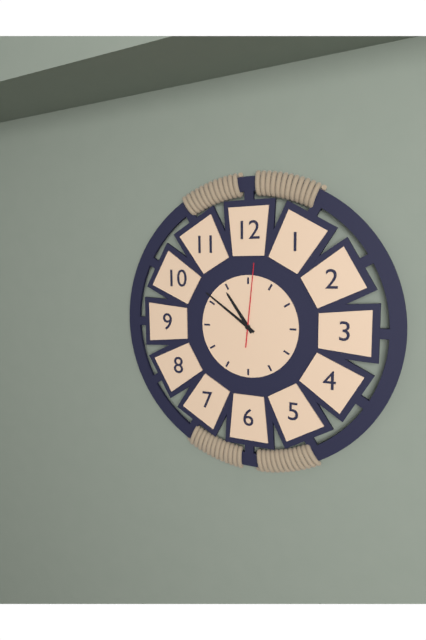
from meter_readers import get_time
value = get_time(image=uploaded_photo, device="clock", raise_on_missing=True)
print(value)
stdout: 10:51:01
